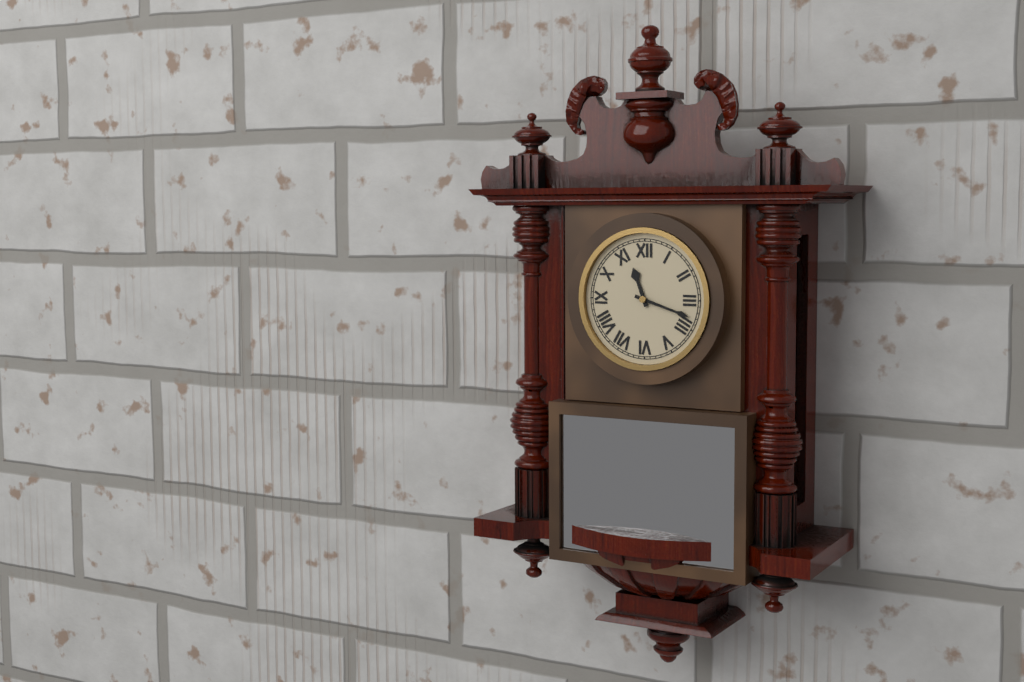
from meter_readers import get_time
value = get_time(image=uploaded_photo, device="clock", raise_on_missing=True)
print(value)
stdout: 11:18
